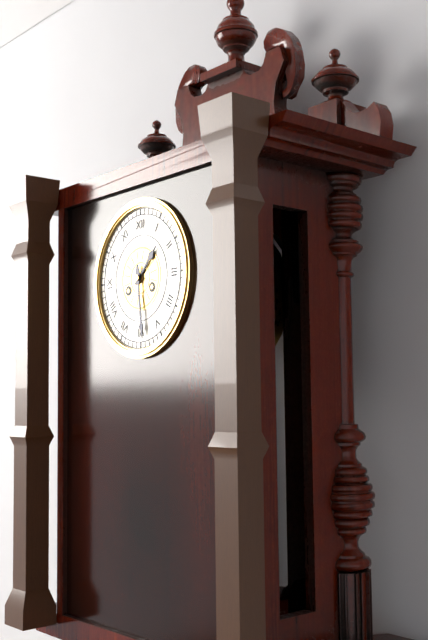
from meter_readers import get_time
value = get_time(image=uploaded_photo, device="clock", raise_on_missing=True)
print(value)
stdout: 1:29
